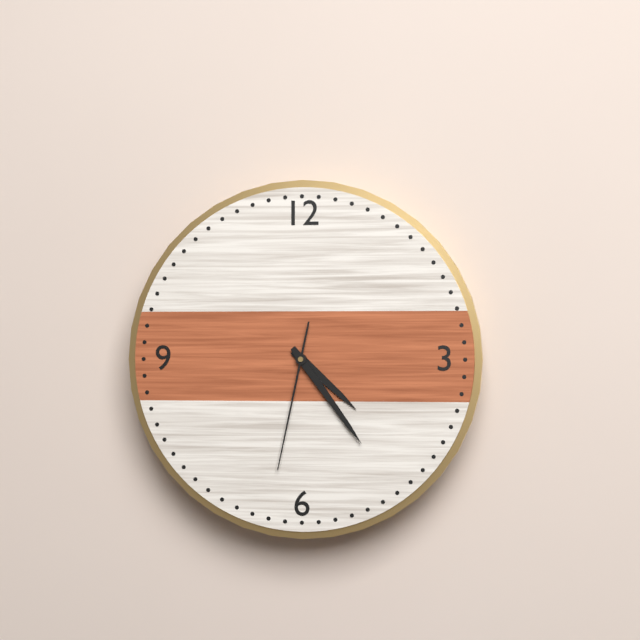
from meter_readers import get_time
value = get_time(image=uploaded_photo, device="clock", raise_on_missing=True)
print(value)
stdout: 4:24:32
